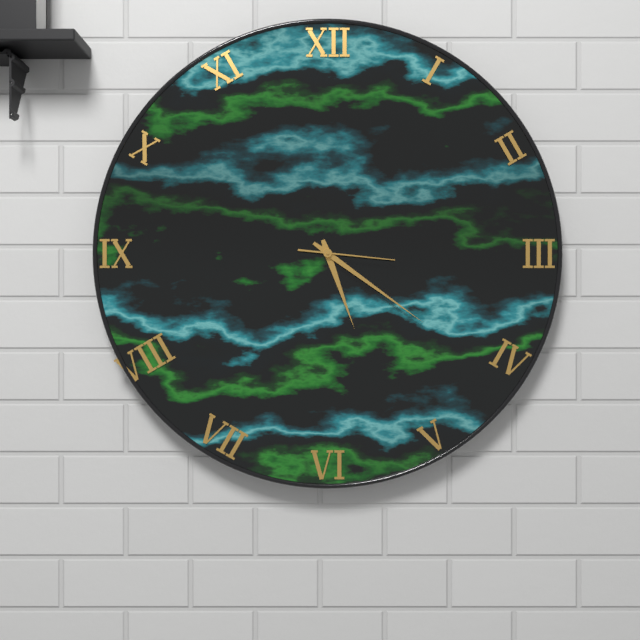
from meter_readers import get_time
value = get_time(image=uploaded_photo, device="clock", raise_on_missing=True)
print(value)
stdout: 5:21:16
